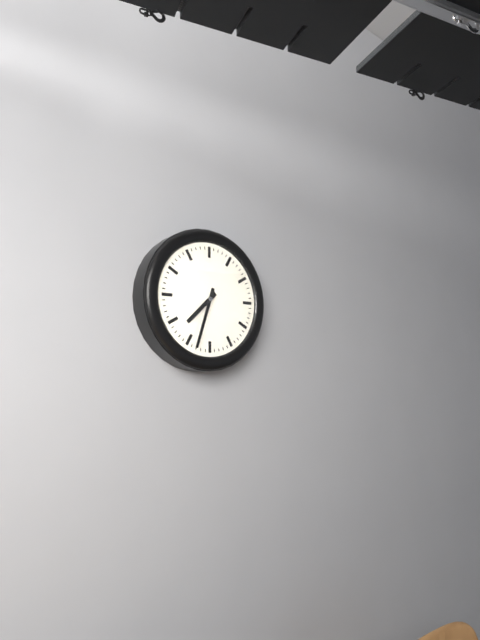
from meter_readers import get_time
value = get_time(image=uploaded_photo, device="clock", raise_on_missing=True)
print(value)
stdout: 7:33
